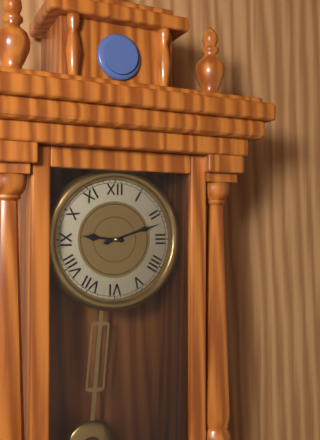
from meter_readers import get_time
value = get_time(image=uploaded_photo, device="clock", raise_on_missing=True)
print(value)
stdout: 9:12
